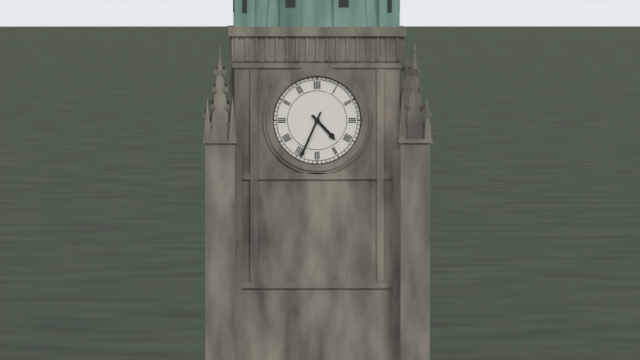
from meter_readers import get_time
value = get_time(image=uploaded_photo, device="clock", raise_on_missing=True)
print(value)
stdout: 4:34
